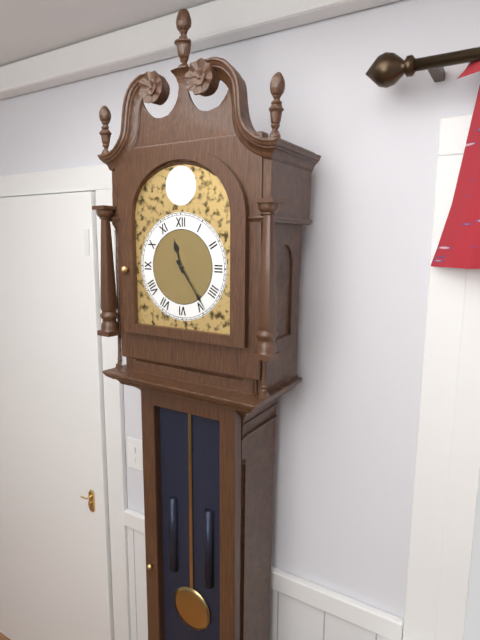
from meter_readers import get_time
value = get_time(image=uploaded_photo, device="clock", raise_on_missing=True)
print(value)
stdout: 11:24
